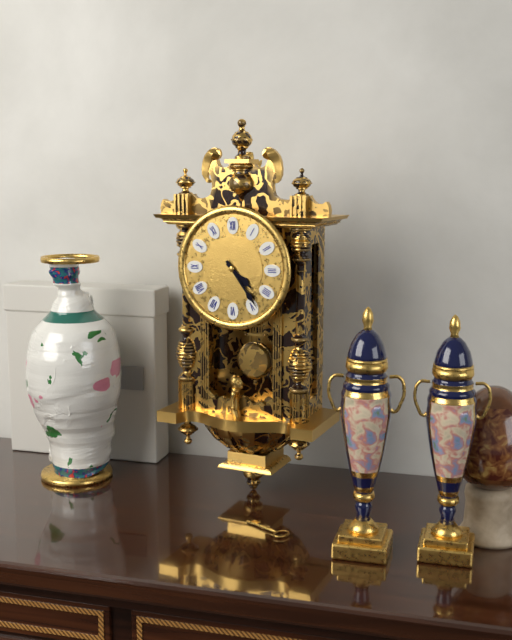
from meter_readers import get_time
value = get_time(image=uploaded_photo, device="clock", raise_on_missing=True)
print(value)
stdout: 4:24
